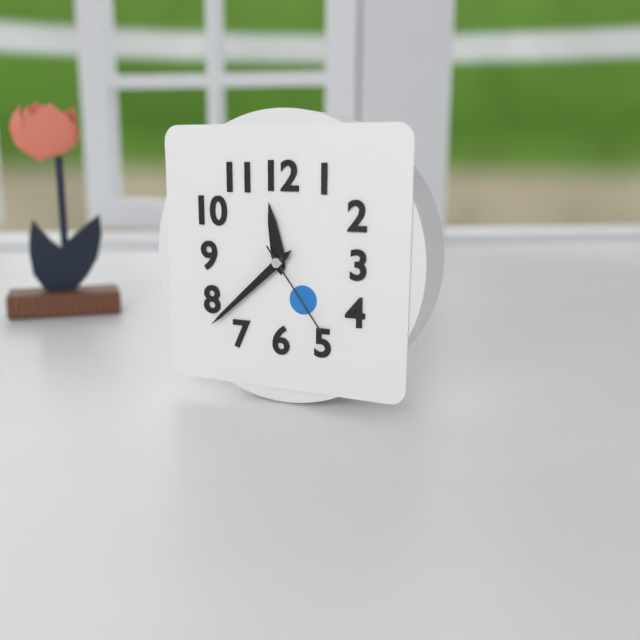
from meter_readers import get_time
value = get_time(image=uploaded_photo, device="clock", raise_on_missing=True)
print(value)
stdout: 11:38:24
